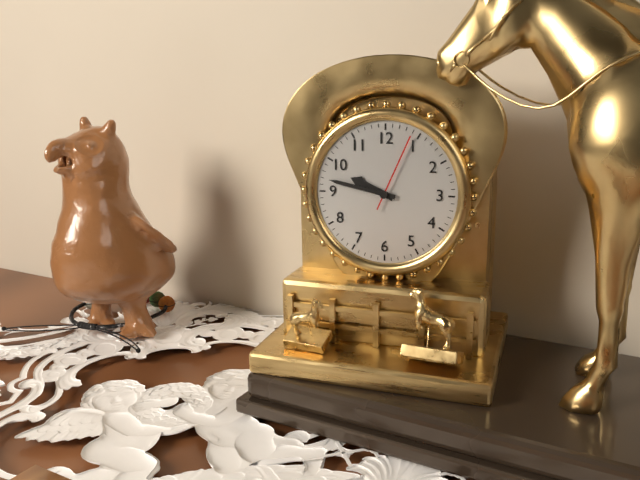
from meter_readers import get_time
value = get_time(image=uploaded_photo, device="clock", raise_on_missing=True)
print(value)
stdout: 9:47:04
